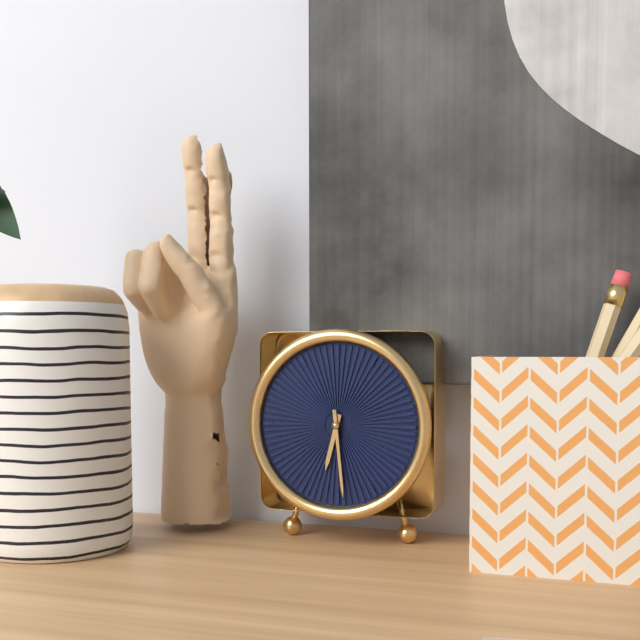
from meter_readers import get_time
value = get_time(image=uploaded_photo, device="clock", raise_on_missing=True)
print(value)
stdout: 6:29
